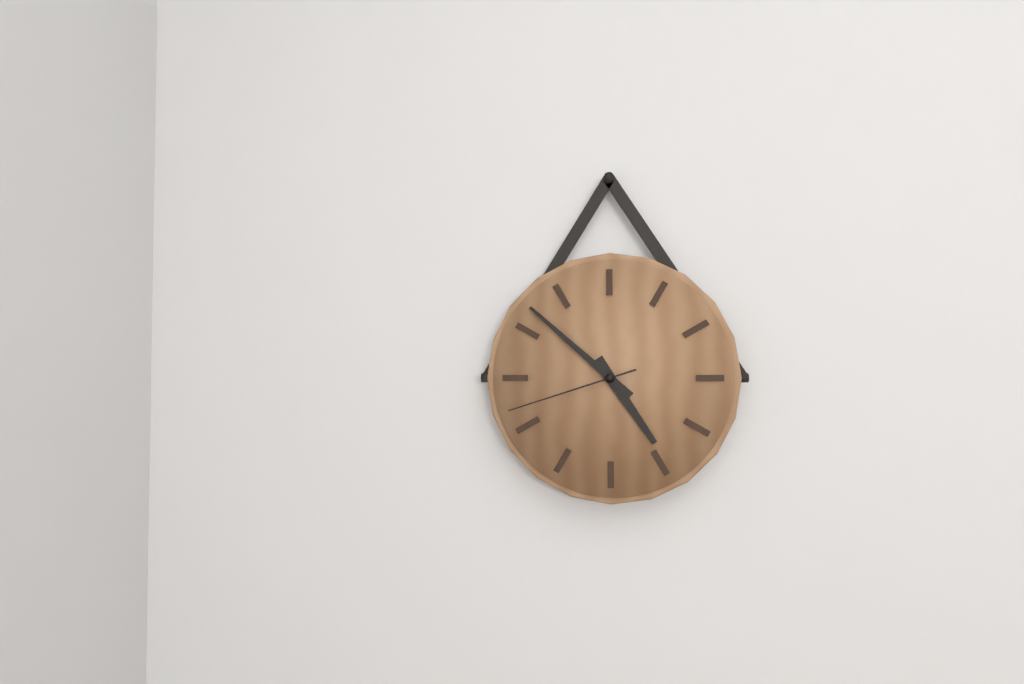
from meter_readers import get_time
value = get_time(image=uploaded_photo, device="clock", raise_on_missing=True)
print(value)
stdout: 4:52:42
